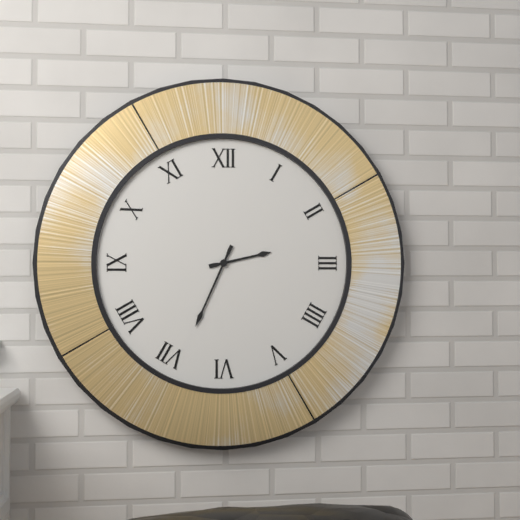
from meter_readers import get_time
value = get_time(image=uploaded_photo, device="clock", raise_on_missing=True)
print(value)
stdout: 2:34
